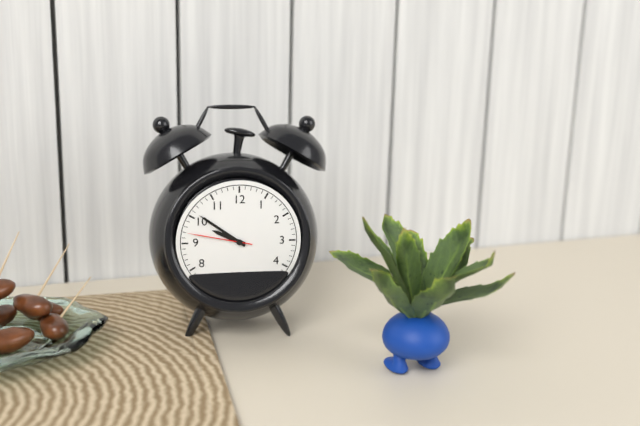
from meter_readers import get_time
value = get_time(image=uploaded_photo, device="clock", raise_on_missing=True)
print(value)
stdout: 9:51:47
